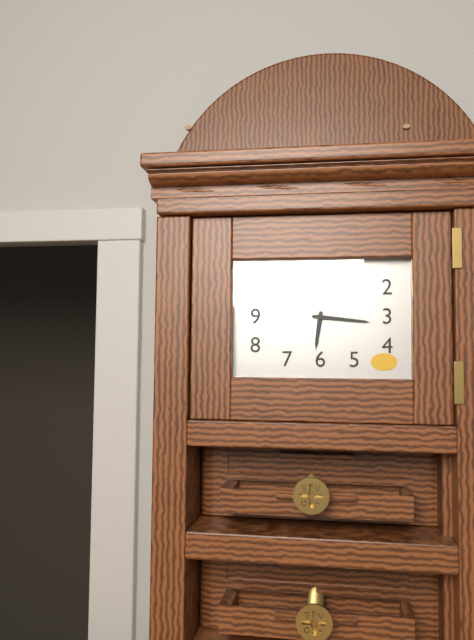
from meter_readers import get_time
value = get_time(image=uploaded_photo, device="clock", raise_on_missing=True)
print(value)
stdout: 6:16
